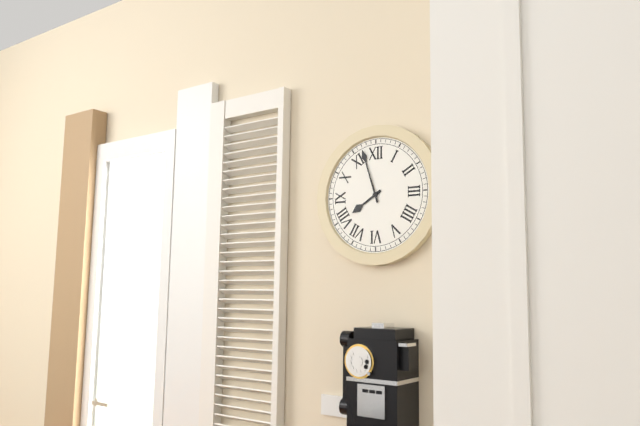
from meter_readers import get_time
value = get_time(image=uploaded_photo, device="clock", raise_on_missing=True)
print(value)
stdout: 7:57
